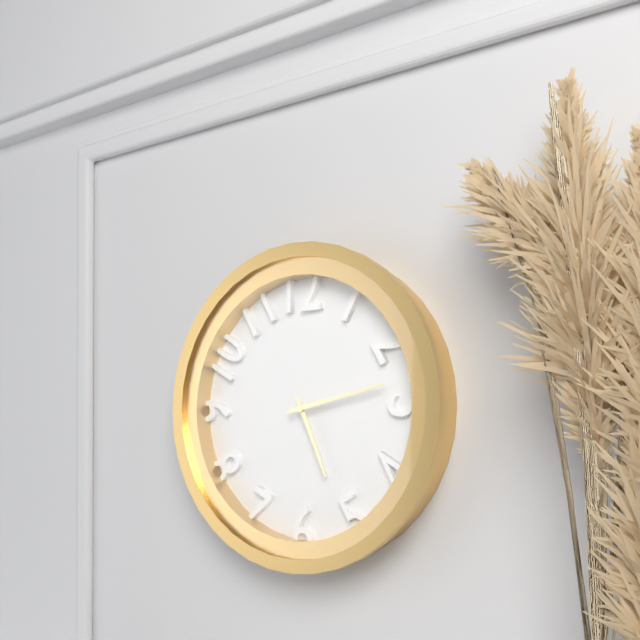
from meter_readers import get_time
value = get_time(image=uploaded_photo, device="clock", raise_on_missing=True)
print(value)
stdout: 5:13
